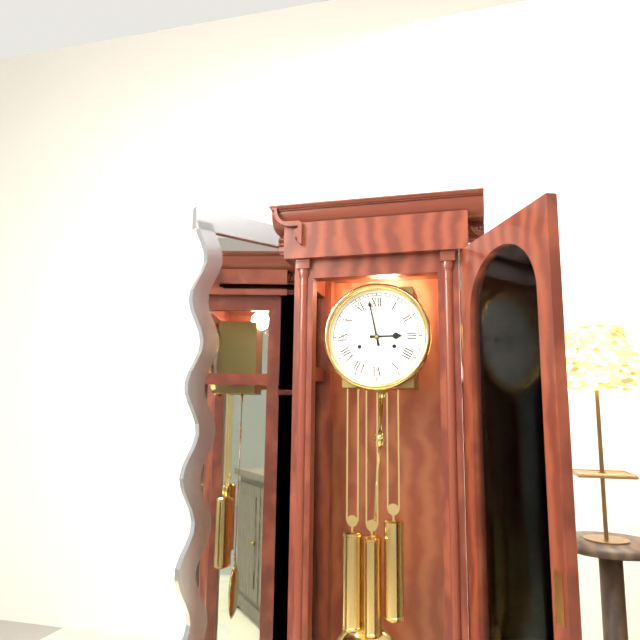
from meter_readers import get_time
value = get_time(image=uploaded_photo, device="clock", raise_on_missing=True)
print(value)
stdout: 2:58
